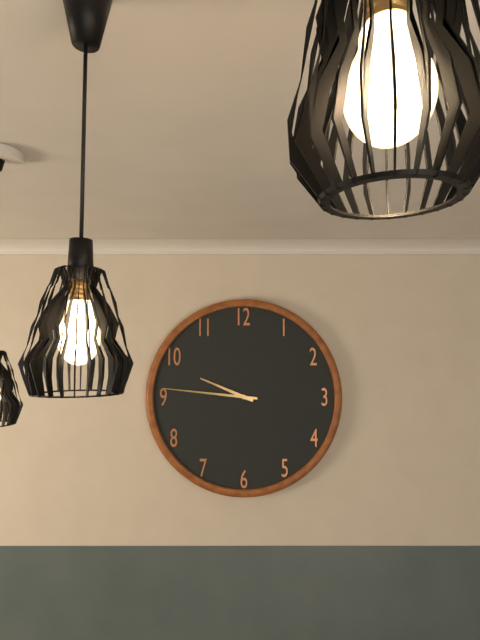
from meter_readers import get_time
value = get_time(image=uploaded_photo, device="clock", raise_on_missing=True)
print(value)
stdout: 9:46
